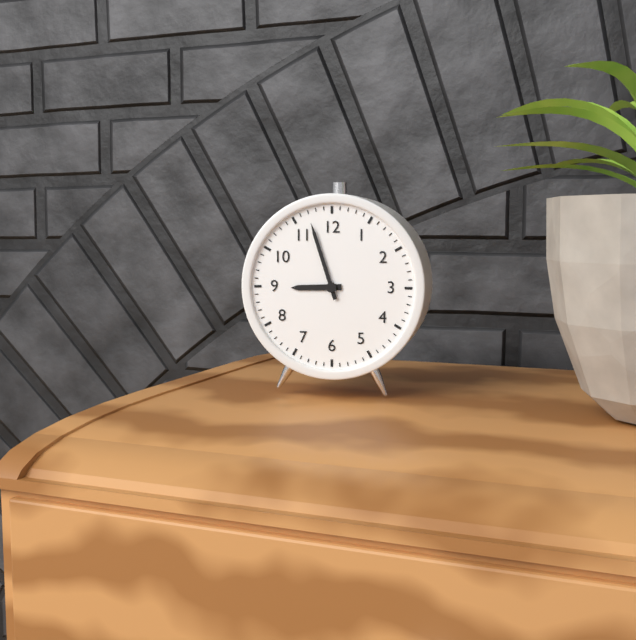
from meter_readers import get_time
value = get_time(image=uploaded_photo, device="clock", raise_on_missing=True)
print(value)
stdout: 8:57
